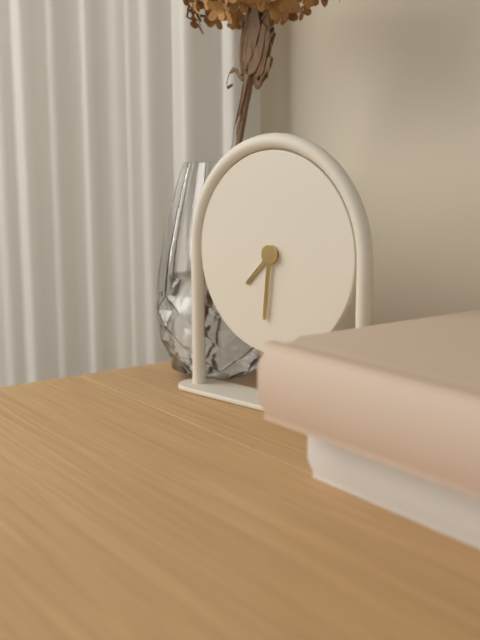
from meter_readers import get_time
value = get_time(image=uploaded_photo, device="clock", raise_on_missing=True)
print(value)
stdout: 7:31
